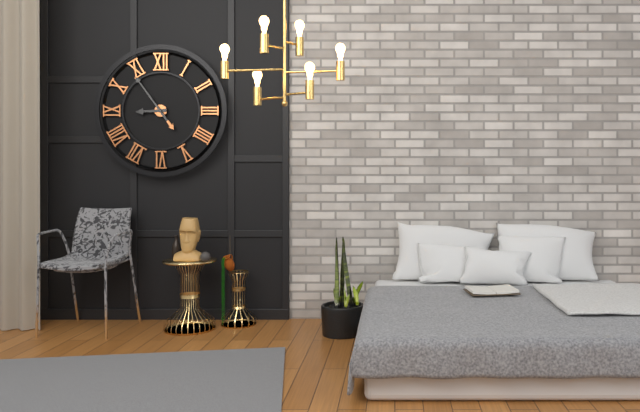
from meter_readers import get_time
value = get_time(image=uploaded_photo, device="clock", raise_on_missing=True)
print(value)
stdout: 8:54
